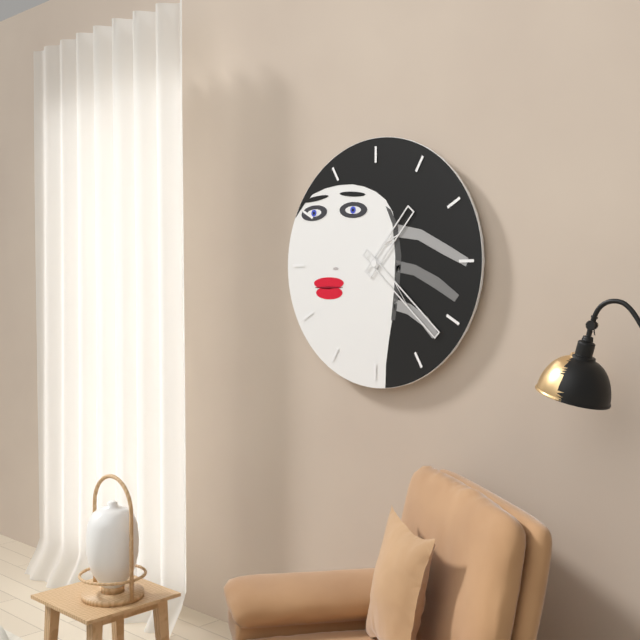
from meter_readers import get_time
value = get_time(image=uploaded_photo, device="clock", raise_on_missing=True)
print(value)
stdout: 1:22
